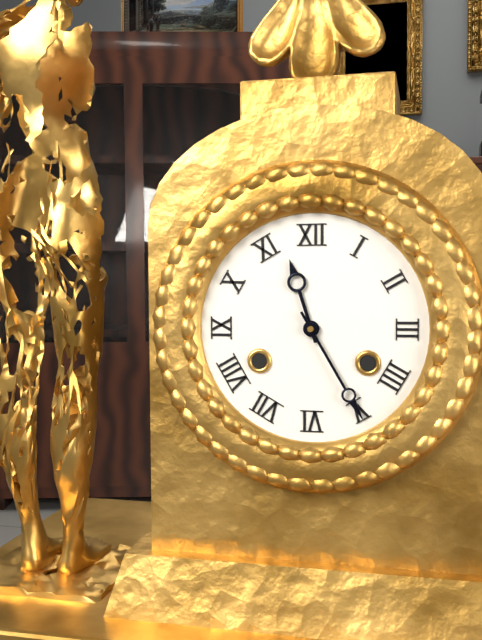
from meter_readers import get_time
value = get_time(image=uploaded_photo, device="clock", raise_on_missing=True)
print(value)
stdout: 11:25
